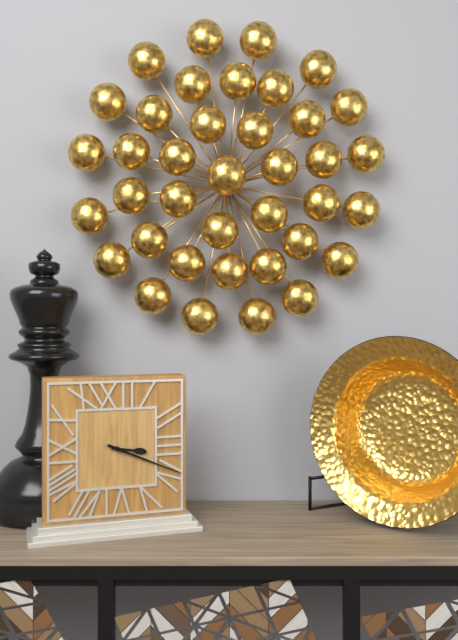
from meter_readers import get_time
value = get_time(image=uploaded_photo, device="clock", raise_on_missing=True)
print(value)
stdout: 3:19
